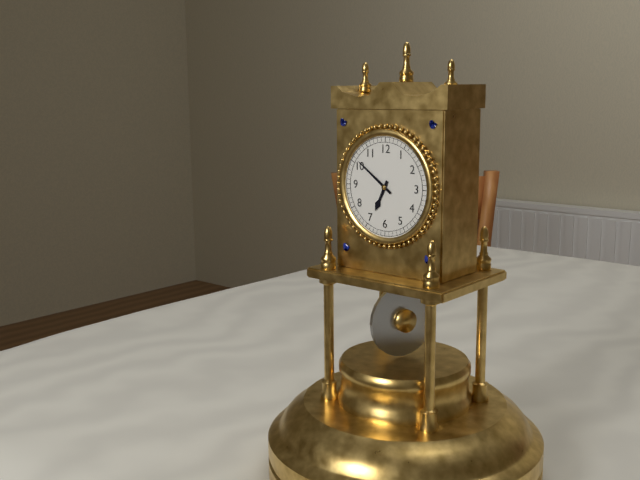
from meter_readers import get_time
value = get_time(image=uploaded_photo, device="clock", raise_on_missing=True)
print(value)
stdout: 6:51
